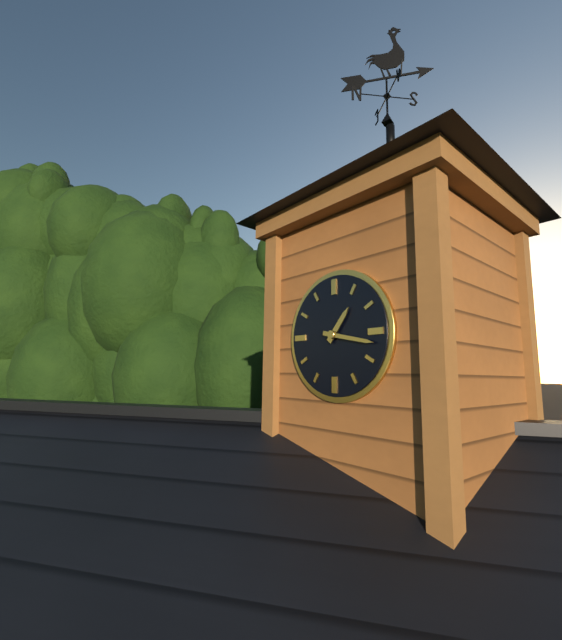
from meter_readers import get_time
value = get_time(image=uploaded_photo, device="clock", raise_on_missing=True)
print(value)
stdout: 1:17
